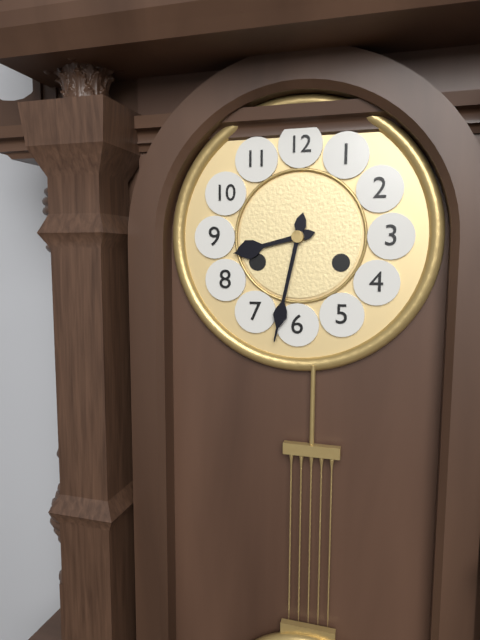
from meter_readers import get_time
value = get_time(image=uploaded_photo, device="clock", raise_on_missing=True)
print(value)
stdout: 8:32
